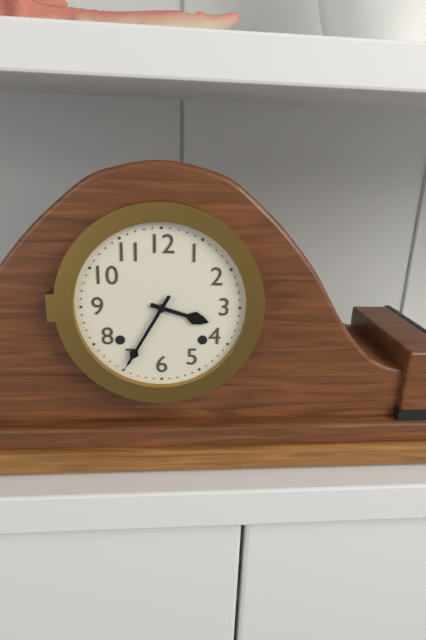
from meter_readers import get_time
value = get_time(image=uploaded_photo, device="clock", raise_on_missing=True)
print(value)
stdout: 3:35
